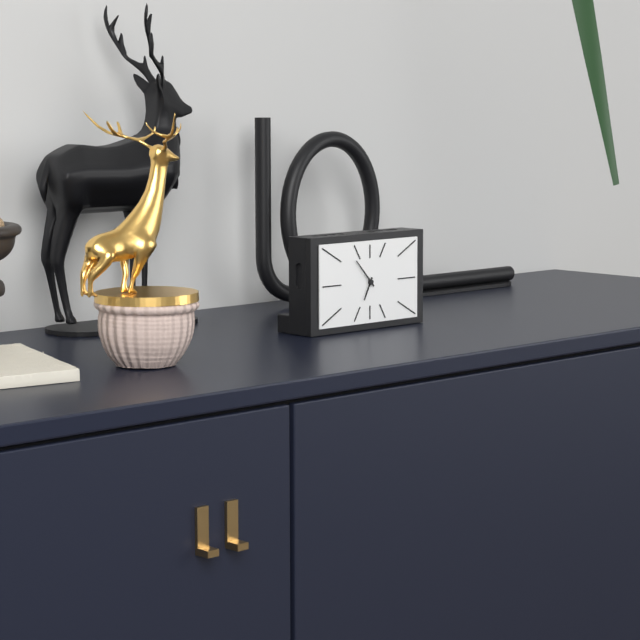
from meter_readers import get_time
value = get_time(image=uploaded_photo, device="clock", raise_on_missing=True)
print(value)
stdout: 6:53
